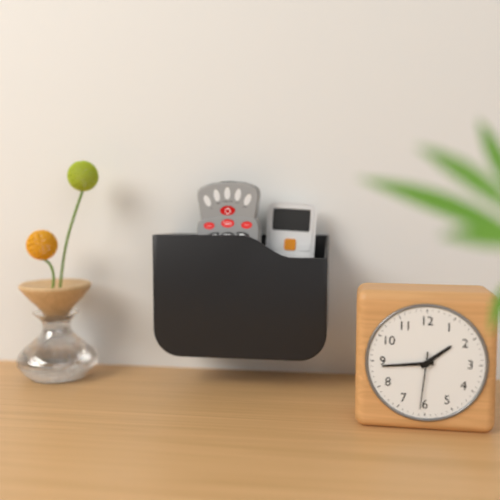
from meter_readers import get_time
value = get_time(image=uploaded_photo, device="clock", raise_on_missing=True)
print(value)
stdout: 1:44:31
